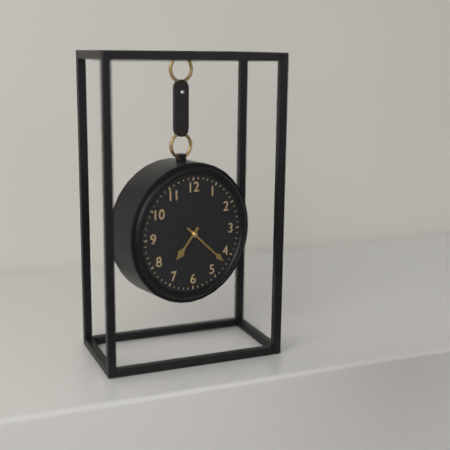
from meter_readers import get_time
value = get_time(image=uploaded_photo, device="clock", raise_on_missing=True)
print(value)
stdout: 7:22
